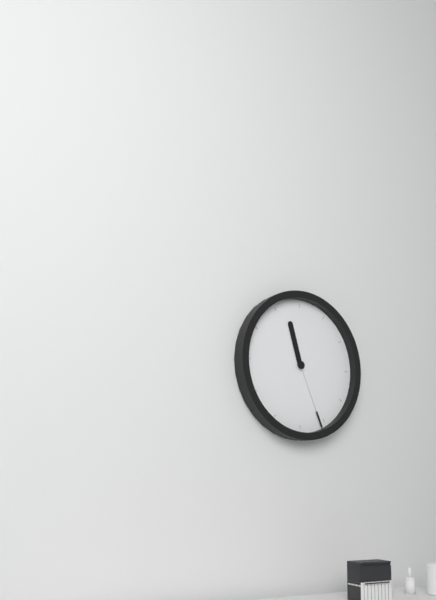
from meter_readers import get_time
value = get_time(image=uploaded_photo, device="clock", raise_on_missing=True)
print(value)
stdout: 11:26
